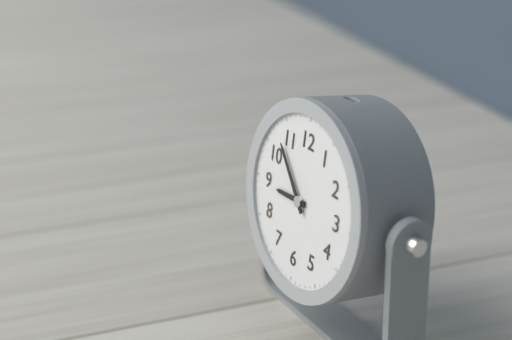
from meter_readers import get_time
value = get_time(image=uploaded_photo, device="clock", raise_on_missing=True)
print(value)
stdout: 8:53
